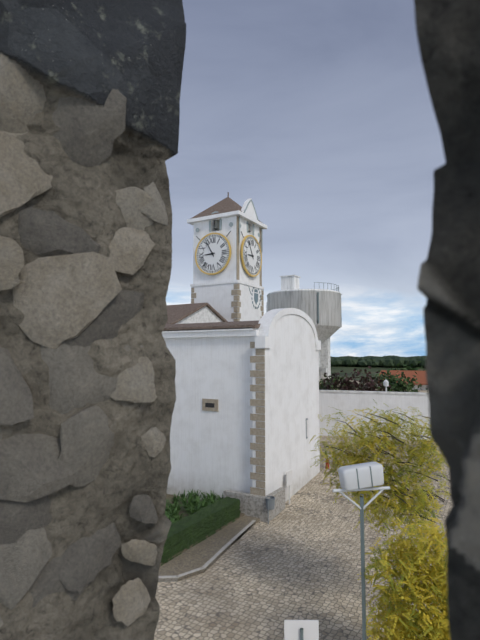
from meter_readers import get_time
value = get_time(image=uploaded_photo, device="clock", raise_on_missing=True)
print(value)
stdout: 8:55
